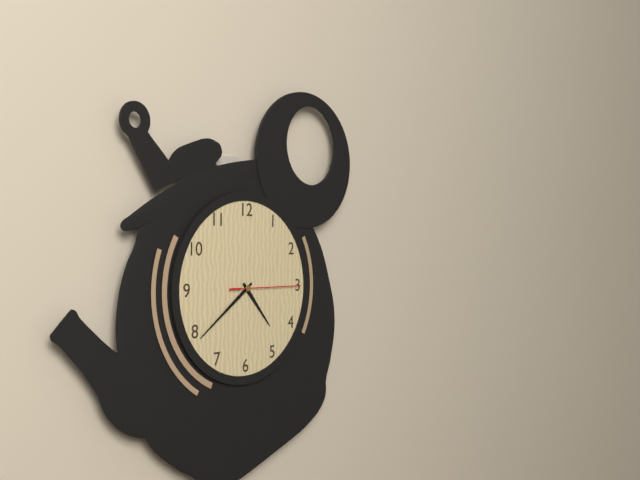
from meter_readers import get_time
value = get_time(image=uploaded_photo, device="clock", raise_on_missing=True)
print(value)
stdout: 4:39:15
